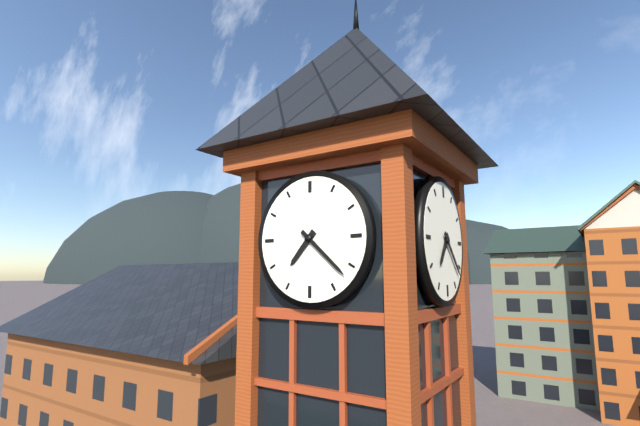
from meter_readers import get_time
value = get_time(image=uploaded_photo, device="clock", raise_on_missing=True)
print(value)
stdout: 7:22
